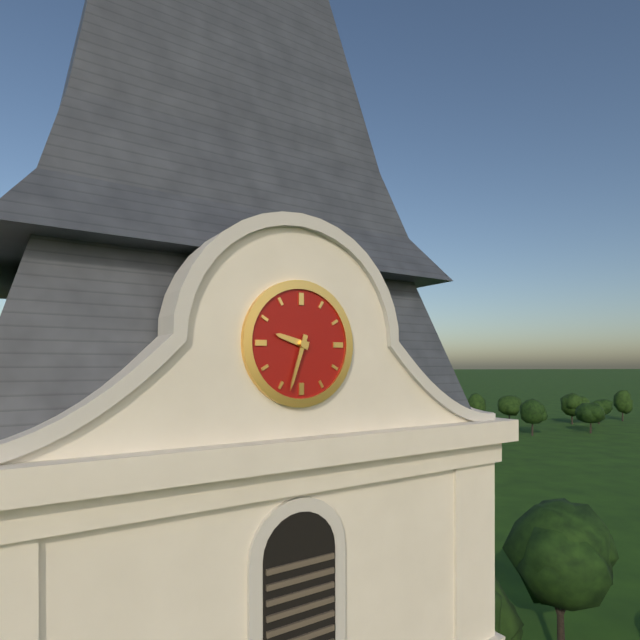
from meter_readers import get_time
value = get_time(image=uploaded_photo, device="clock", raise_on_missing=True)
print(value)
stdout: 9:33
